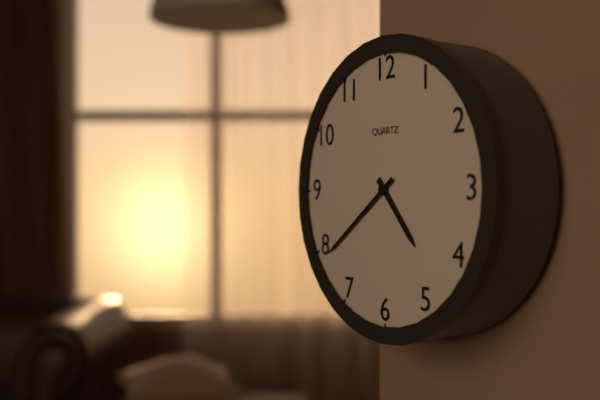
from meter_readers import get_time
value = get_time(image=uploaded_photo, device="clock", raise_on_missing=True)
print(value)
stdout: 4:39
